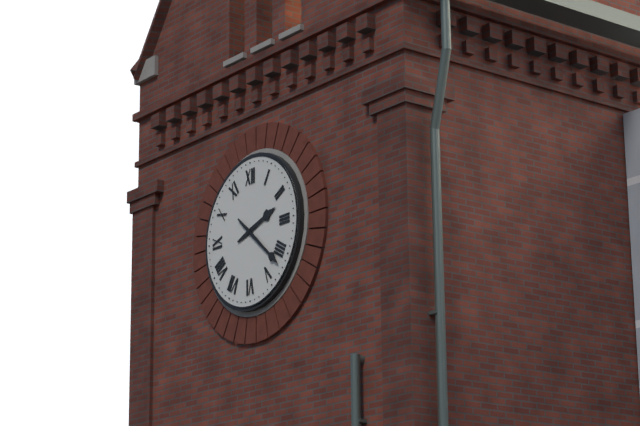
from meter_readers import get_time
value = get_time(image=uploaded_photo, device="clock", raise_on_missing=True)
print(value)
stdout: 2:22
